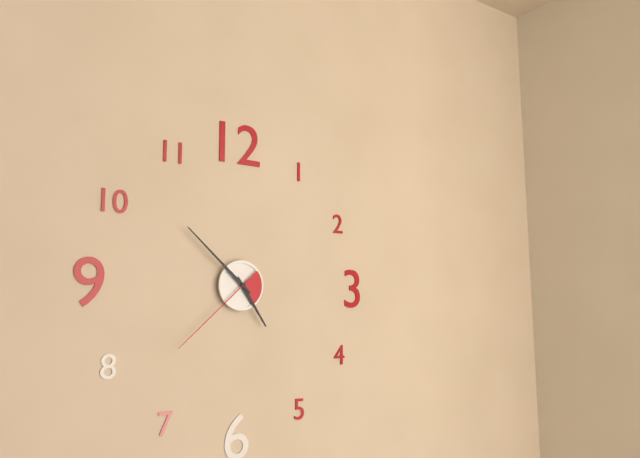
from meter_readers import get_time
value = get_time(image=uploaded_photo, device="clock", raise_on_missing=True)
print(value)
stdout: 4:52:38
